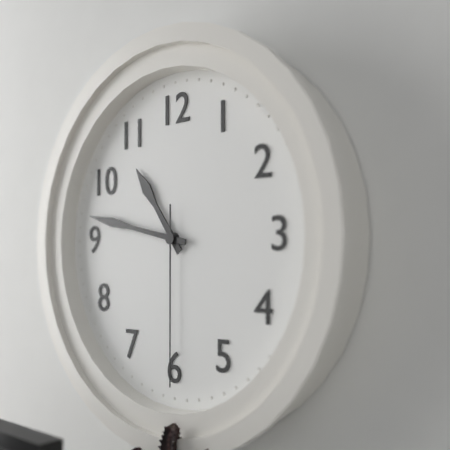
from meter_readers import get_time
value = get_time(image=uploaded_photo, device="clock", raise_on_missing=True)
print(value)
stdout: 10:47:30
